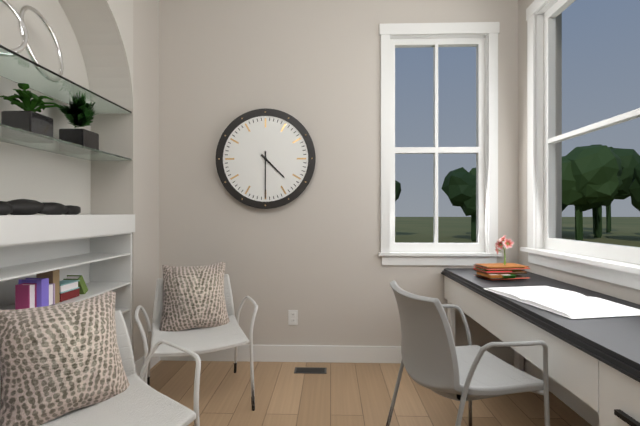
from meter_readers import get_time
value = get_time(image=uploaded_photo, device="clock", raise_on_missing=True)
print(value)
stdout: 4:30
